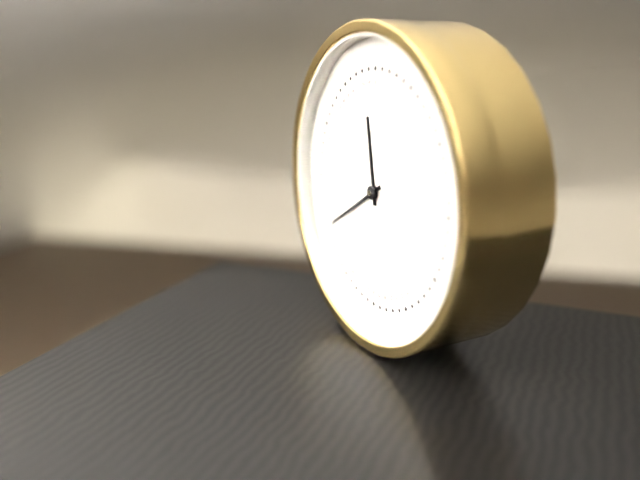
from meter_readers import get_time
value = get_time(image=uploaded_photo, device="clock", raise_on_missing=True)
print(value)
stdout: 11:40
